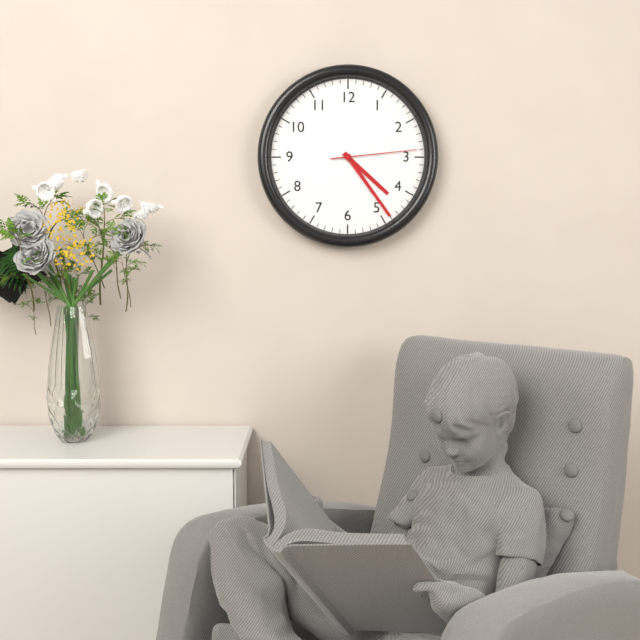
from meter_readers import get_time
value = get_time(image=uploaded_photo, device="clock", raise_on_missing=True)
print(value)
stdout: 4:24:14
